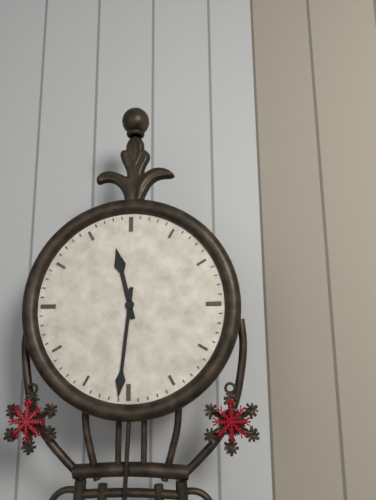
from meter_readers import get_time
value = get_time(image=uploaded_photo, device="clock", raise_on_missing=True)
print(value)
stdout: 11:31
